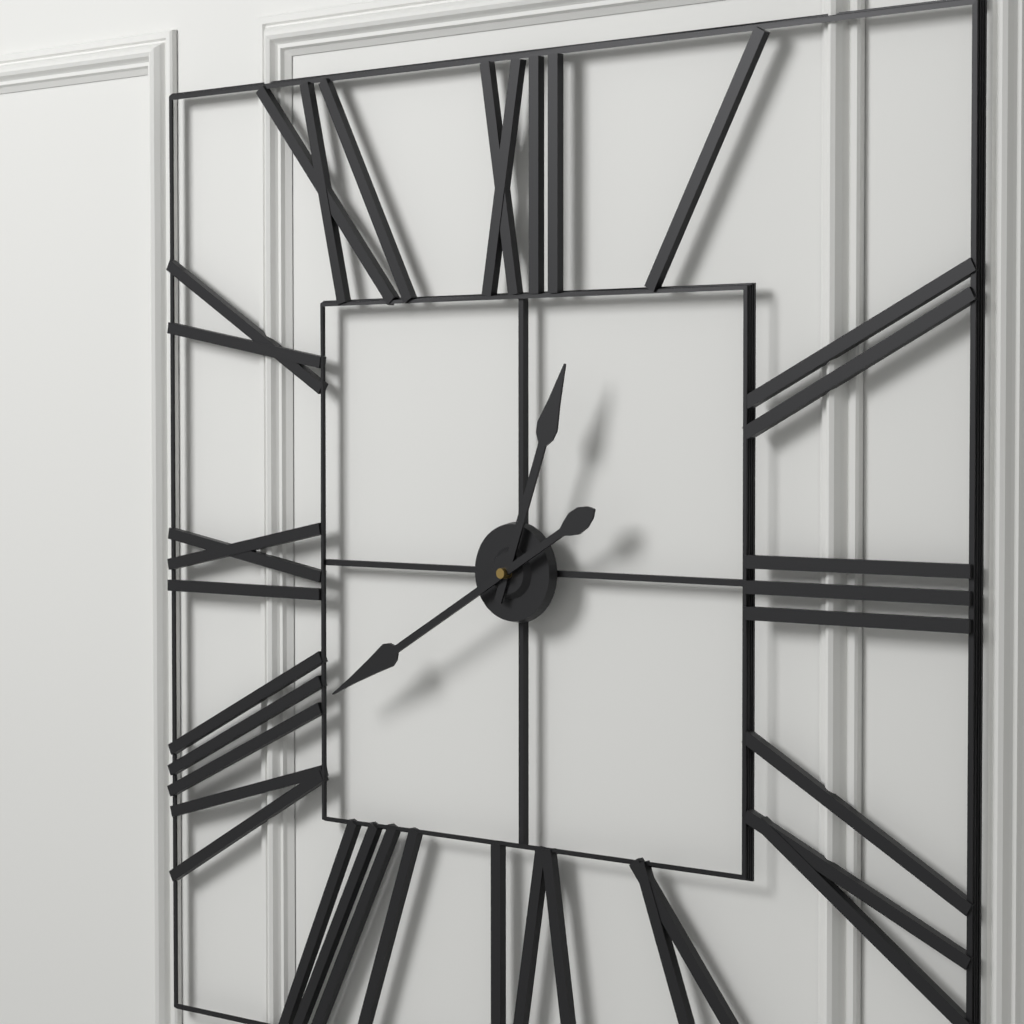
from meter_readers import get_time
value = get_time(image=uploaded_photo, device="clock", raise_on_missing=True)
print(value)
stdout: 12:40
